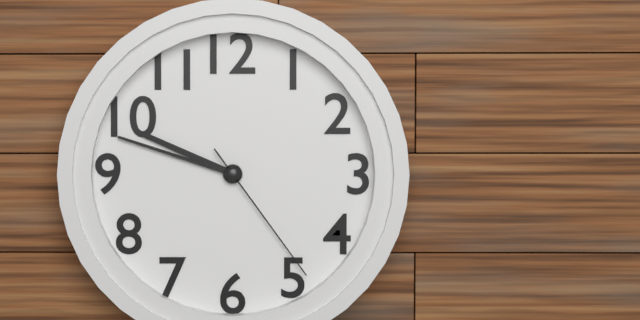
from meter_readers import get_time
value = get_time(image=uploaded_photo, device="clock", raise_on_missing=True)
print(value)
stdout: 9:48:24
